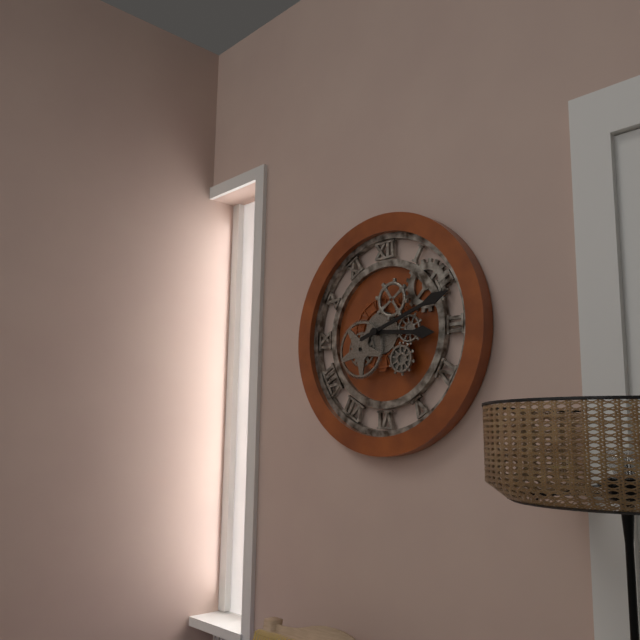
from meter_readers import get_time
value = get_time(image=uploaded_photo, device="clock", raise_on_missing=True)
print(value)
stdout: 3:12
